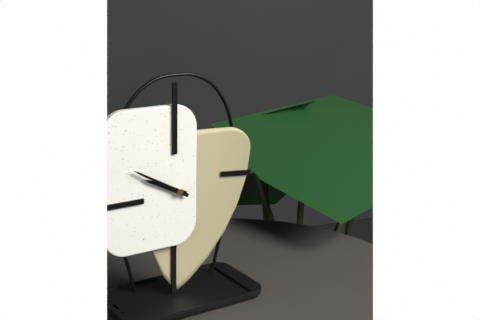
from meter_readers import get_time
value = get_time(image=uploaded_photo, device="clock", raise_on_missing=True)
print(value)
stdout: 9:50
